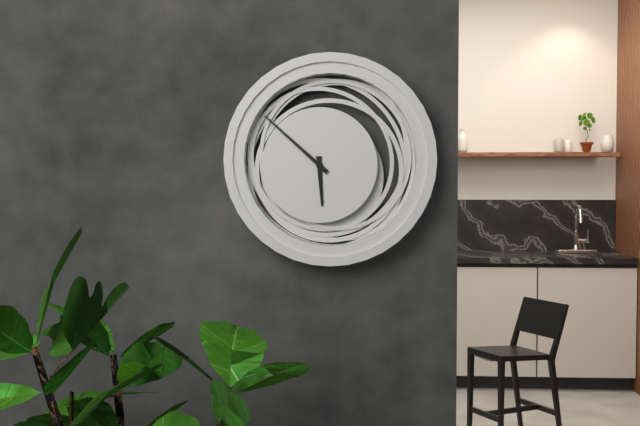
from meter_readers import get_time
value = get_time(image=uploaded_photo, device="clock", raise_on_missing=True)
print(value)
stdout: 5:52
